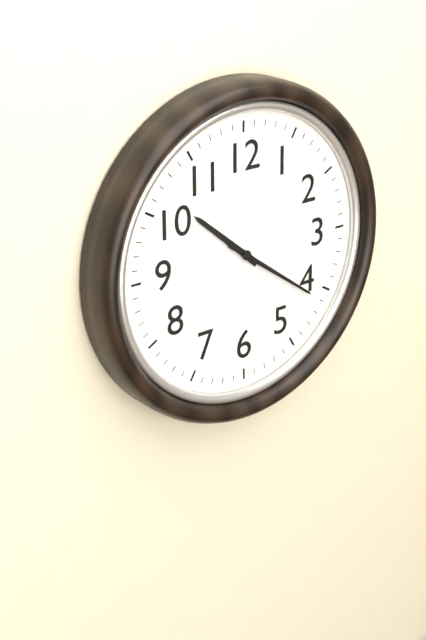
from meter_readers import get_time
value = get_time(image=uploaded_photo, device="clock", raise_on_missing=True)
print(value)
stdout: 10:21
